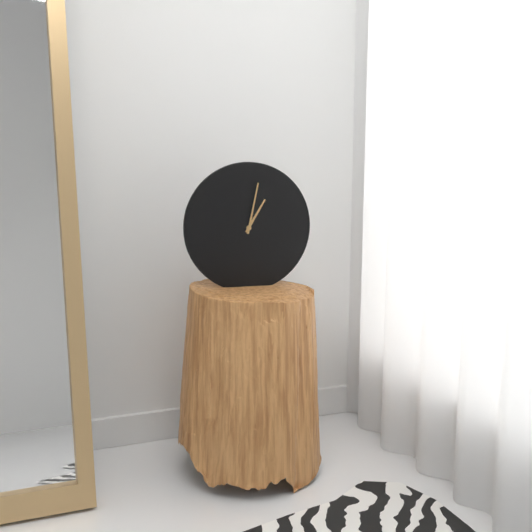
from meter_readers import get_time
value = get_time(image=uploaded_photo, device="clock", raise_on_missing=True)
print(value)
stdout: 1:02
